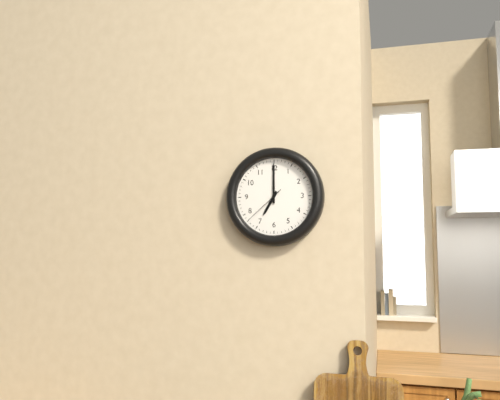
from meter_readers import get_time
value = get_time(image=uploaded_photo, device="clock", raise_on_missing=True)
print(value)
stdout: 7:00
